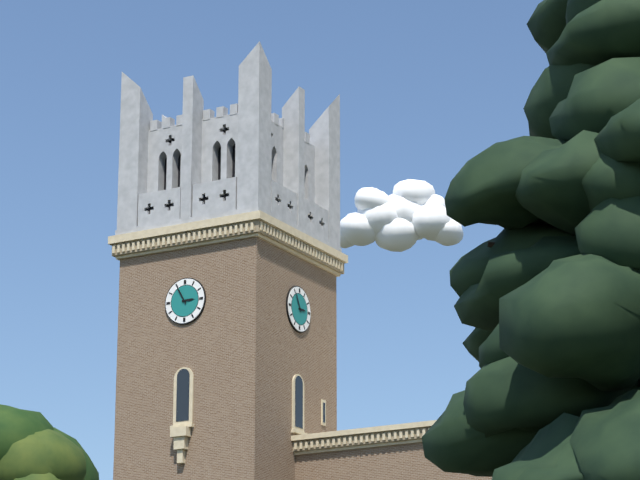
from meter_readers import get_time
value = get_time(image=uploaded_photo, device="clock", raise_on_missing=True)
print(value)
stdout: 2:55
